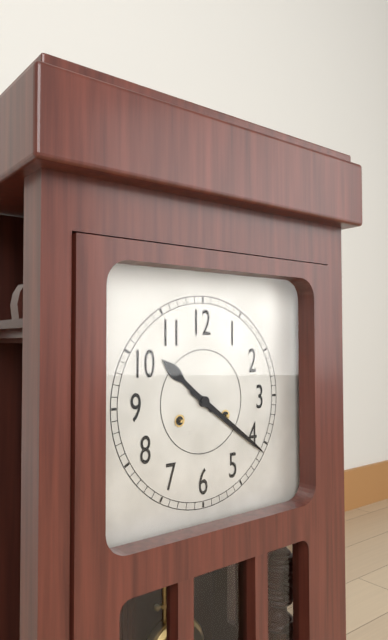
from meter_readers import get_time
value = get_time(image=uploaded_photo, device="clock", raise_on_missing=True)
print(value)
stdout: 10:21
